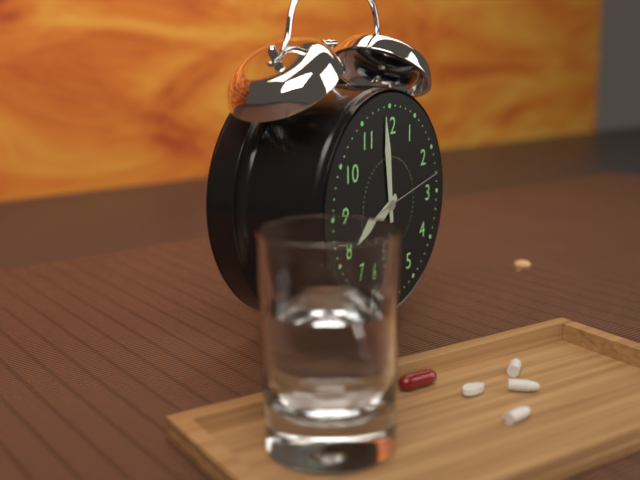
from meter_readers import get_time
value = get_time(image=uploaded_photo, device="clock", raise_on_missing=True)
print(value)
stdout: 7:59:13
